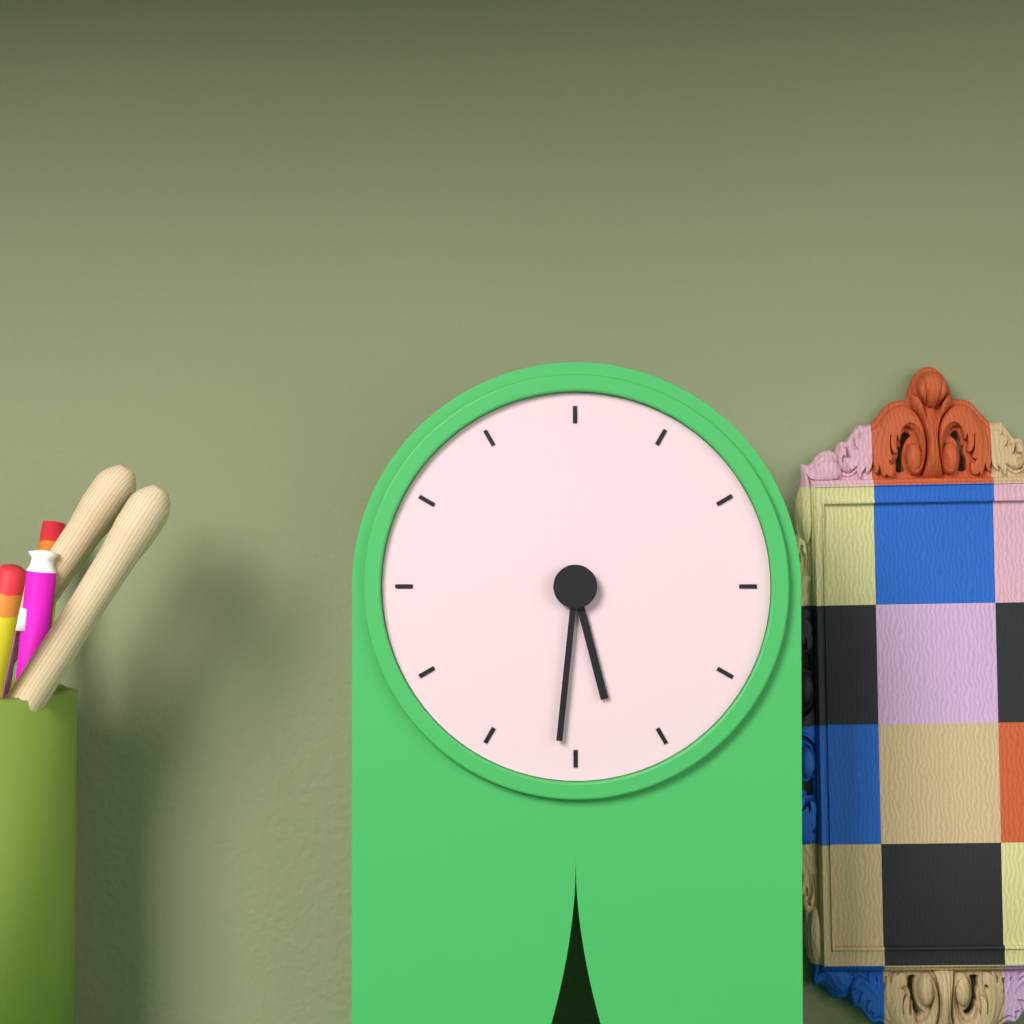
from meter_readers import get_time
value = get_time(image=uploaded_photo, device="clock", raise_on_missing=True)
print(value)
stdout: 5:31
